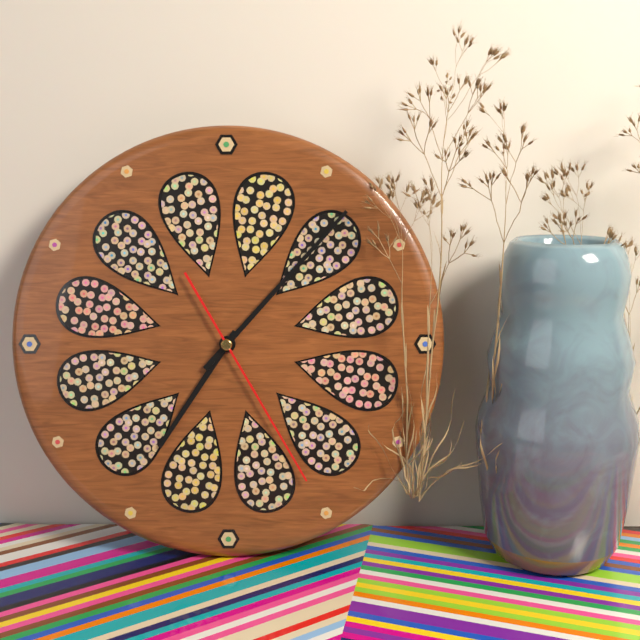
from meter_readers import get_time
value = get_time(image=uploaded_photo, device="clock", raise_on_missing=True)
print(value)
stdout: 7:07:25
